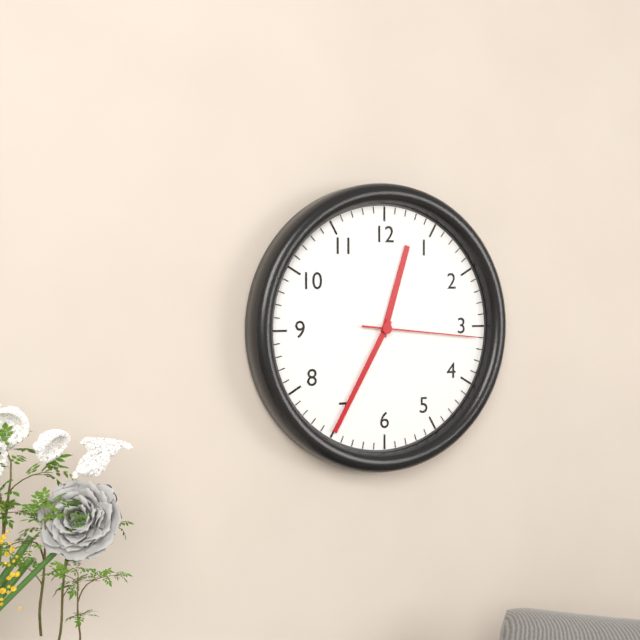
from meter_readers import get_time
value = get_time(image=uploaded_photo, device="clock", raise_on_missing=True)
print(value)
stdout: 12:35:16
